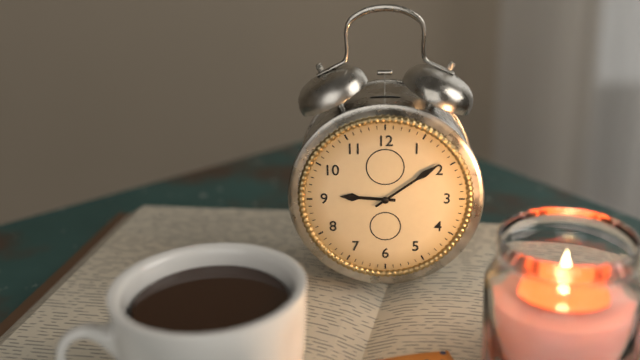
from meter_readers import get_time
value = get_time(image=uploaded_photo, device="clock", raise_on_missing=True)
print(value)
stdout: 9:09
